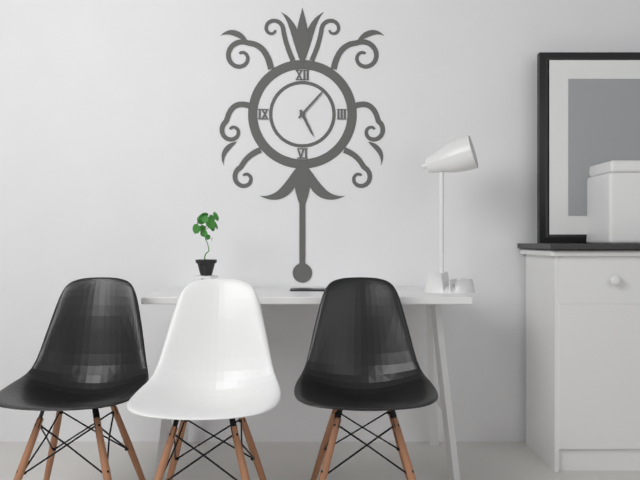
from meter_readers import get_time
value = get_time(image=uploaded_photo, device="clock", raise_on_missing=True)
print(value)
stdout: 5:07
